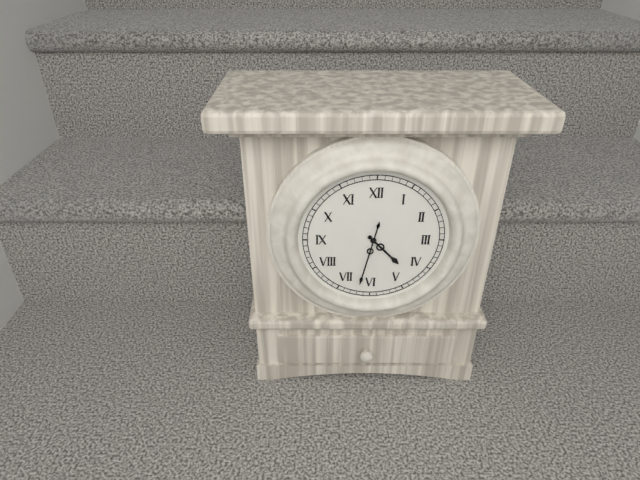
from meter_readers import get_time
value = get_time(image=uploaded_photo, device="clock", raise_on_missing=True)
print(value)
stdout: 4:32
